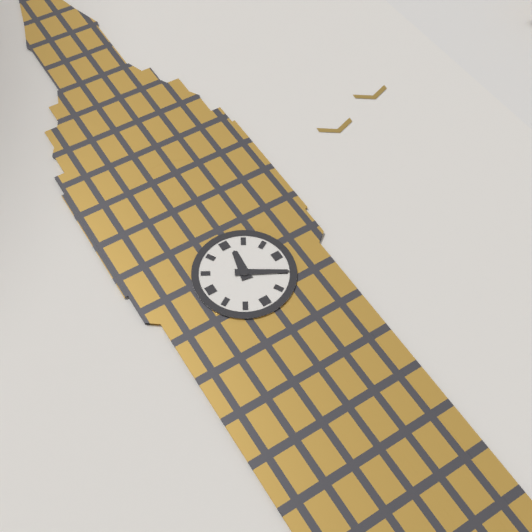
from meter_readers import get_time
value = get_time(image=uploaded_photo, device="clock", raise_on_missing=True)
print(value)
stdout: 12:20
